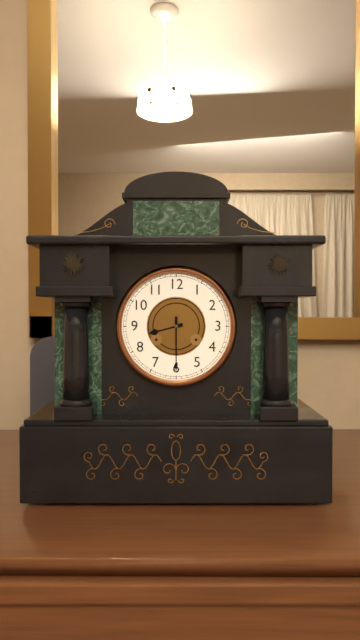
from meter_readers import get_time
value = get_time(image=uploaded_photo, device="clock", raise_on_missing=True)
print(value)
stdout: 8:30
